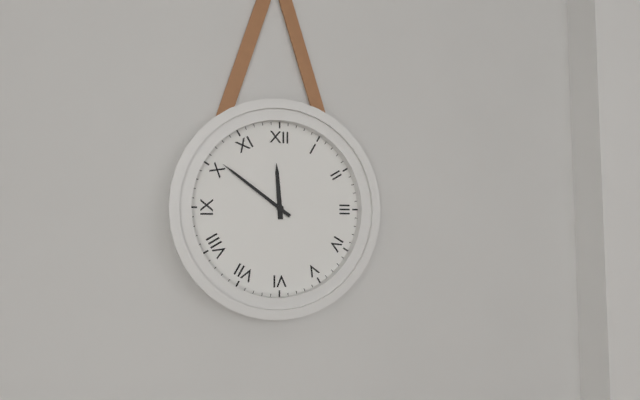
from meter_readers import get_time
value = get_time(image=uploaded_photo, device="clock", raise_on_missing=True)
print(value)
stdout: 11:51
